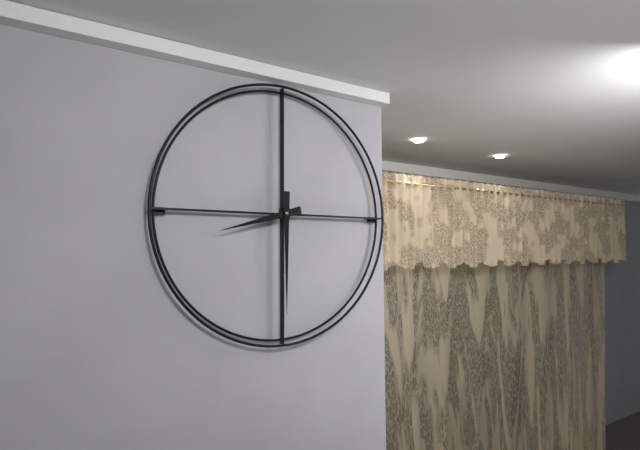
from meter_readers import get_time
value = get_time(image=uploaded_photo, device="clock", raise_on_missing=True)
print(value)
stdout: 8:30
